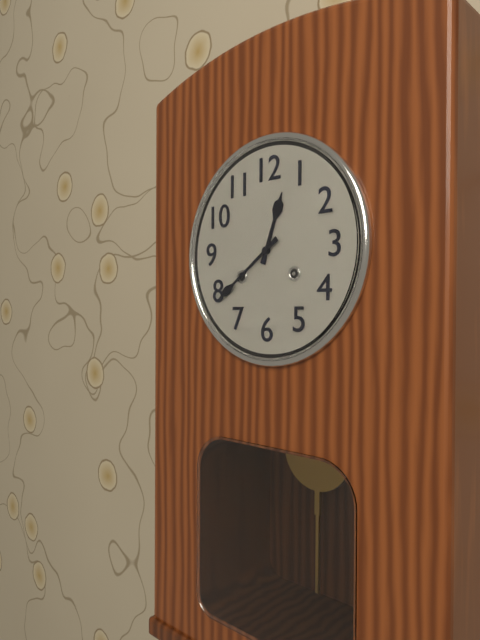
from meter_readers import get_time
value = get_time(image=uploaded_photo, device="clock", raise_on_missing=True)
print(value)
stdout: 12:39
